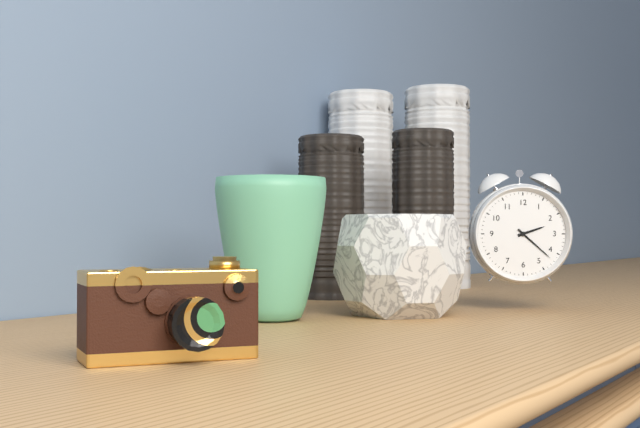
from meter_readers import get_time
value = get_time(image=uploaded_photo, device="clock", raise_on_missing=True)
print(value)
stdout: 2:22
